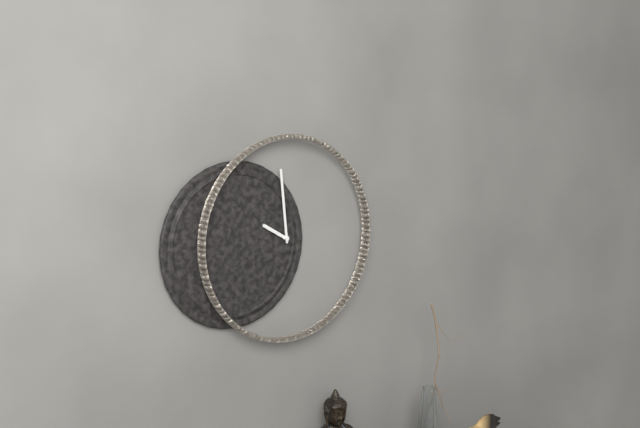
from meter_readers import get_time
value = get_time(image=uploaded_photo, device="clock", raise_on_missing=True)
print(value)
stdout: 9:59
